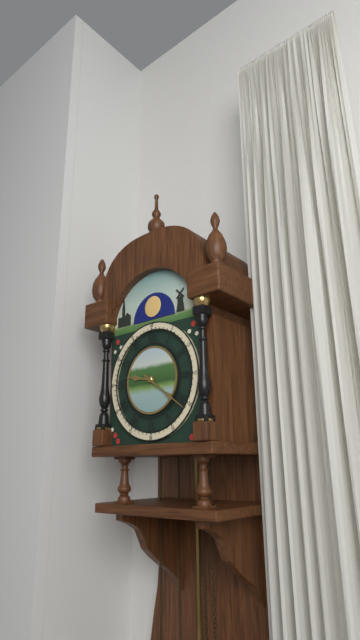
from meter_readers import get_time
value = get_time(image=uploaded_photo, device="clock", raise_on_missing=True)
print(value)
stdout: 9:21
